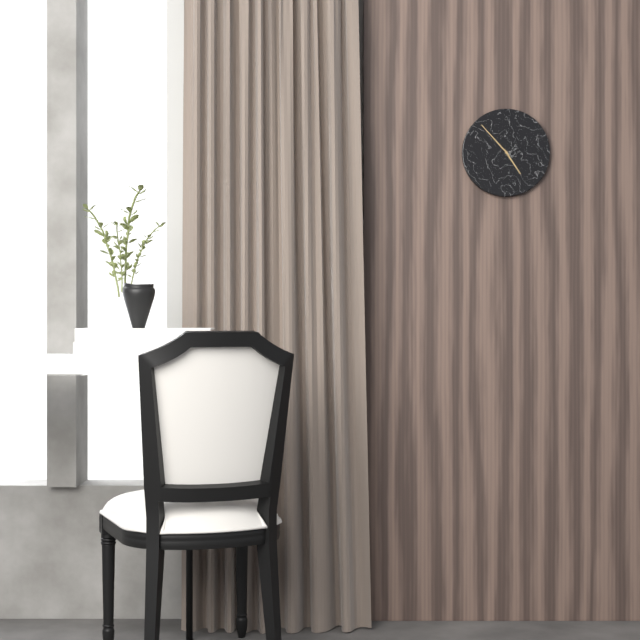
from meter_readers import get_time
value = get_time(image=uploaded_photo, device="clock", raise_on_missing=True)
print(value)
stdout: 4:53
